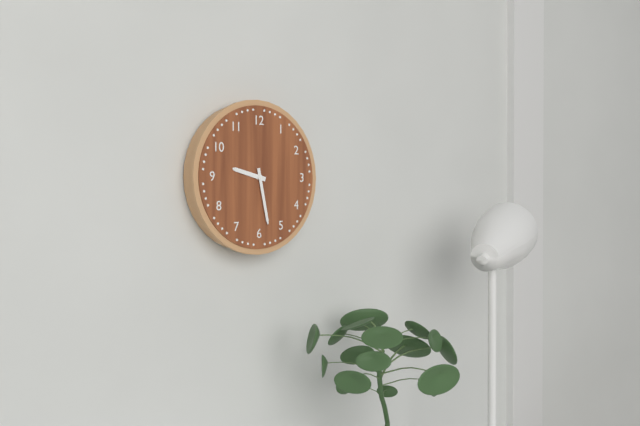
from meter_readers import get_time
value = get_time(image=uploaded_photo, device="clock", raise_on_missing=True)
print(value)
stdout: 9:28
